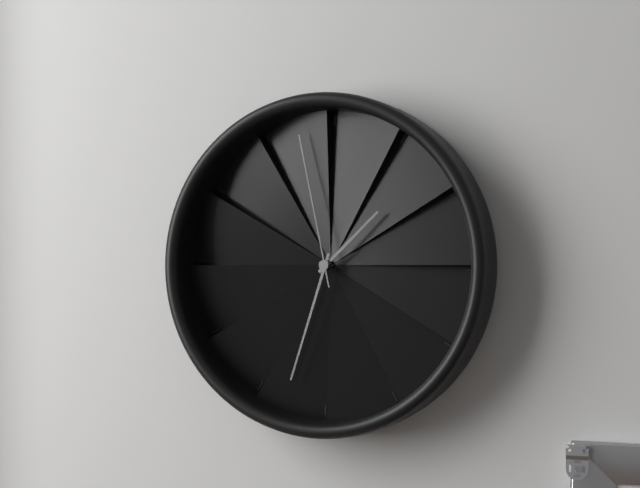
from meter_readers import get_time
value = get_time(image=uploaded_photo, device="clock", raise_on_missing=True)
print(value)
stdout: 1:33:58
